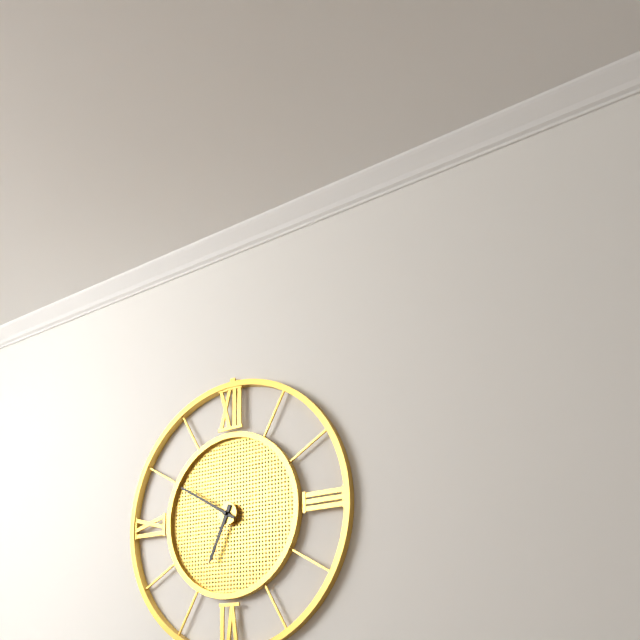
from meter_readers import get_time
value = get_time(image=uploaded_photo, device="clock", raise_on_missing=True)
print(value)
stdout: 6:50
